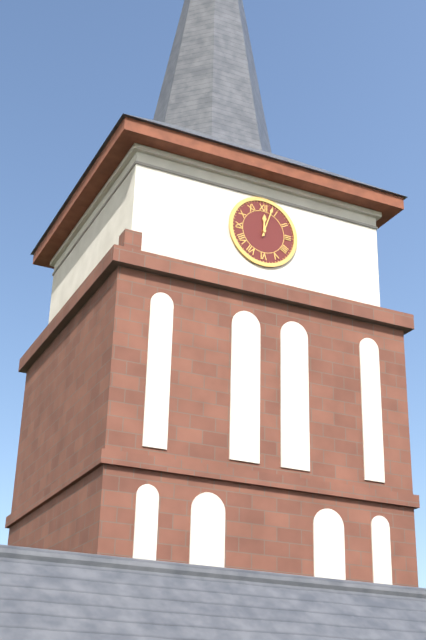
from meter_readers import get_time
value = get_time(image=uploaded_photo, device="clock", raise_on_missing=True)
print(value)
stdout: 12:03
